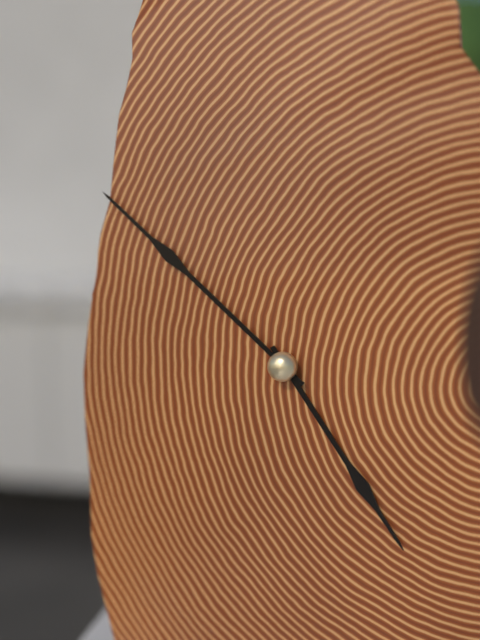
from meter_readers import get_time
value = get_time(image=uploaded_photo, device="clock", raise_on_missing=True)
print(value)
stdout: 4:52
